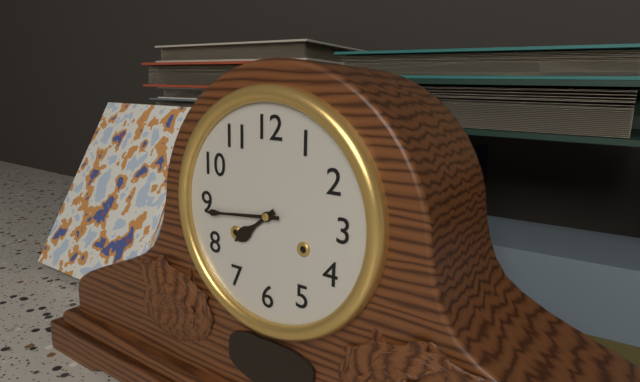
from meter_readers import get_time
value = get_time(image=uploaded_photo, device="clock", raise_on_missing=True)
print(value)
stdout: 7:44
